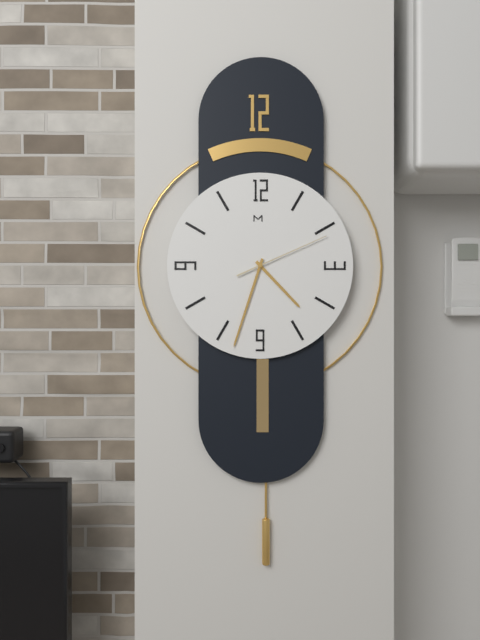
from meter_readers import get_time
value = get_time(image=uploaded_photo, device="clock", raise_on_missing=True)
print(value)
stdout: 4:33:11
